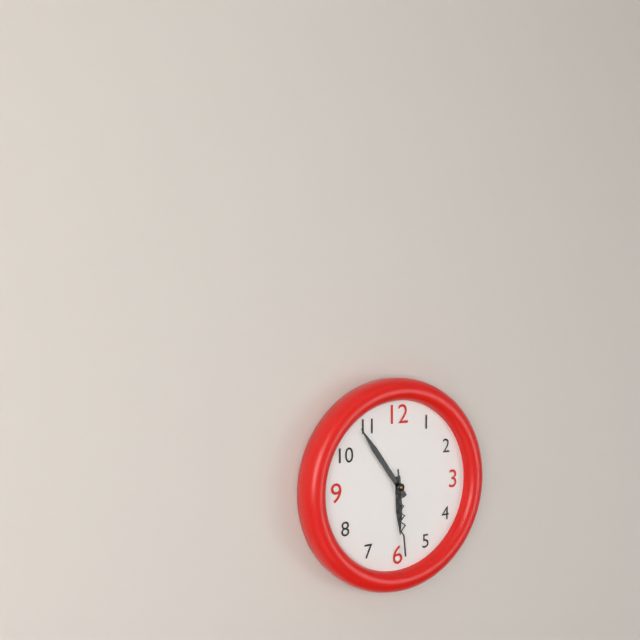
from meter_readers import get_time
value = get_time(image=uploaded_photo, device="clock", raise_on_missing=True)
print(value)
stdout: 5:54:29
